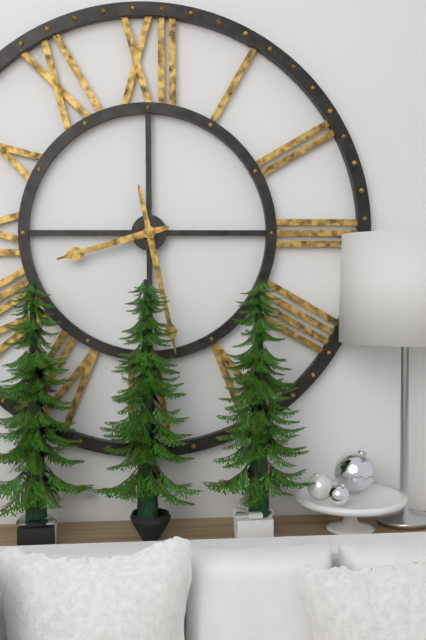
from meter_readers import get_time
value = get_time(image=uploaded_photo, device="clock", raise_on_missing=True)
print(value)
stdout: 8:28
